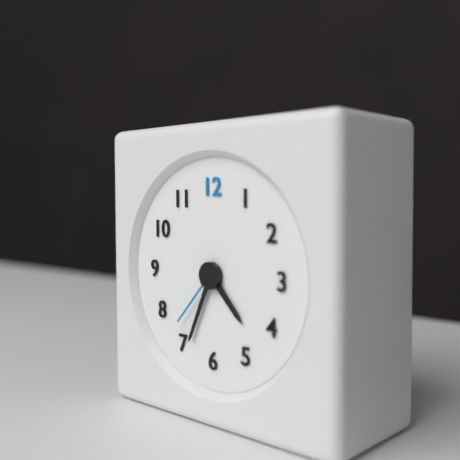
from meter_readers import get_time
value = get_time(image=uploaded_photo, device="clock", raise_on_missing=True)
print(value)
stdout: 4:34:37
